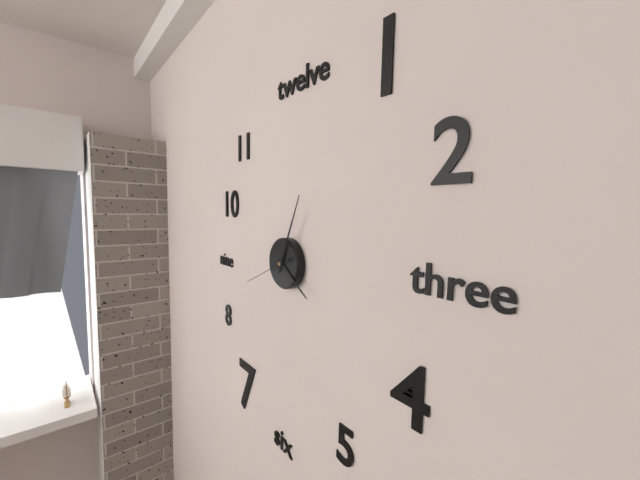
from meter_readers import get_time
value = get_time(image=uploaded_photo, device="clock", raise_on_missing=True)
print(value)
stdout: 4:04
